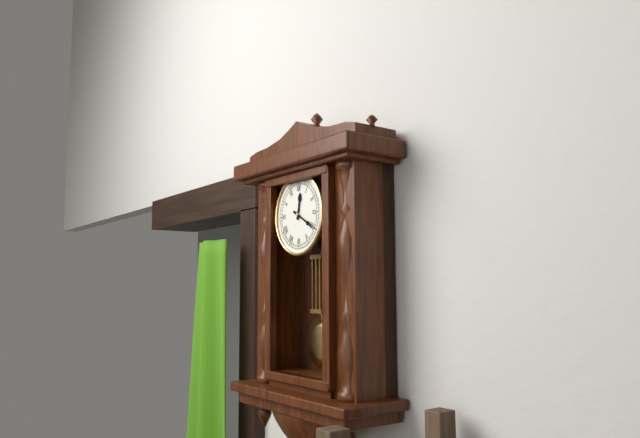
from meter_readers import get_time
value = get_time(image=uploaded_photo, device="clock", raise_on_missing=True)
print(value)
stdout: 12:20
